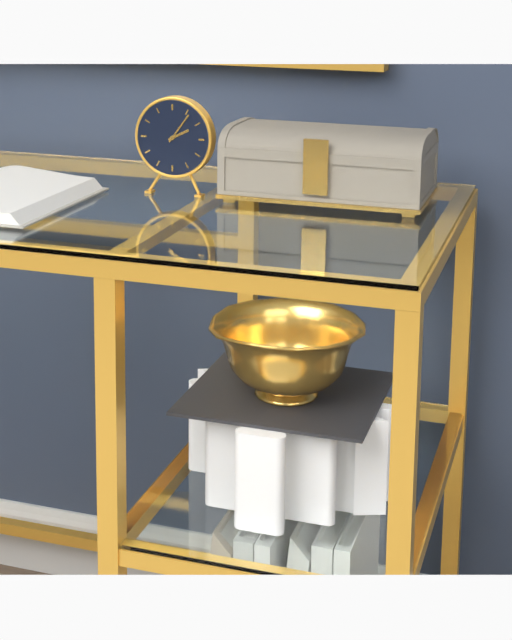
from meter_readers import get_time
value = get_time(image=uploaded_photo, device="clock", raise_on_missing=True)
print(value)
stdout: 2:06
